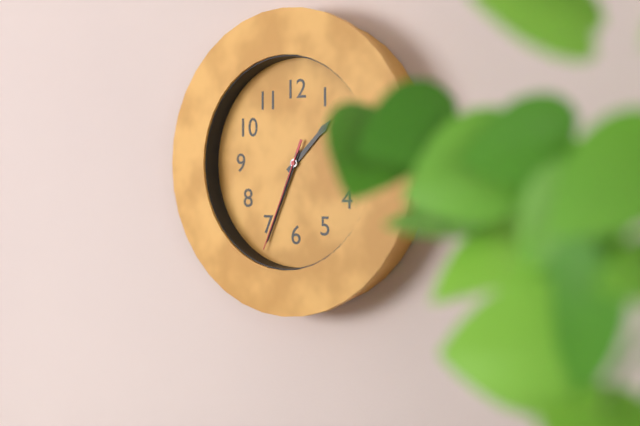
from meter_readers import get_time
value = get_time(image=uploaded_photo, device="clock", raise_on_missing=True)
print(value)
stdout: 1:34:34
